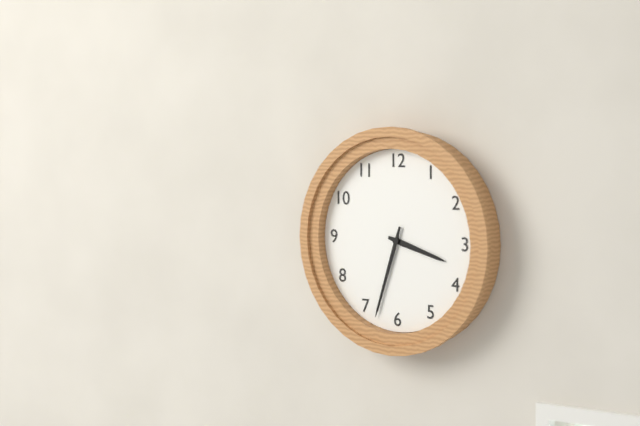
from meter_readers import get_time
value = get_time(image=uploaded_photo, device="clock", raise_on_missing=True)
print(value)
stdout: 3:33
